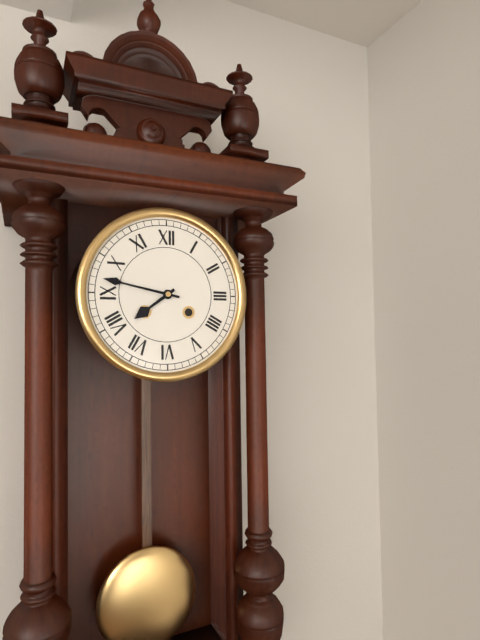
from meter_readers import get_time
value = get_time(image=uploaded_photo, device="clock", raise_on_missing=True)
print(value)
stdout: 7:47
